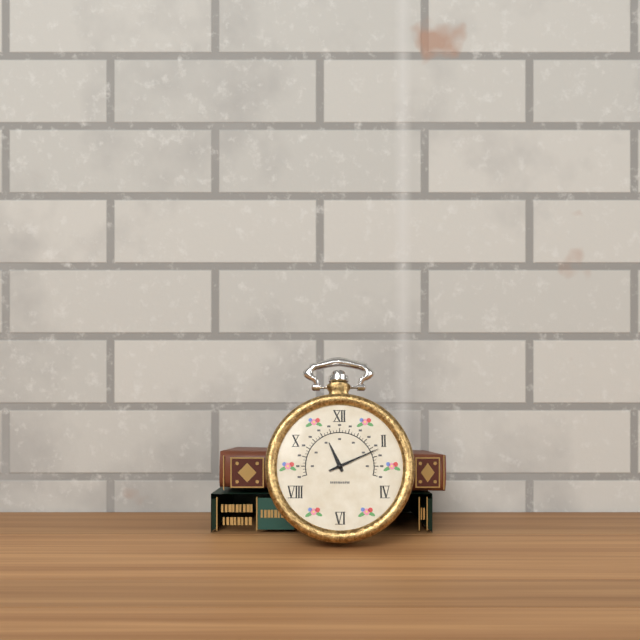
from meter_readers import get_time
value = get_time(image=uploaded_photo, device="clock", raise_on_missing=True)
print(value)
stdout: 11:11
